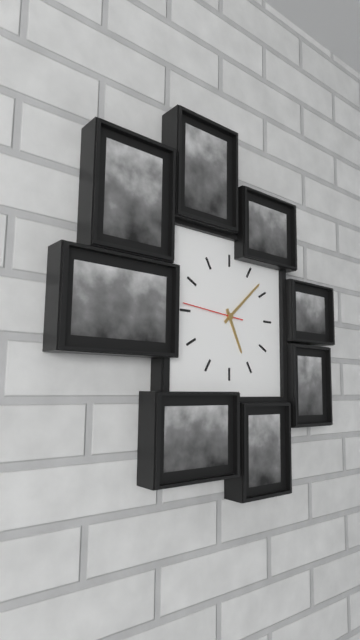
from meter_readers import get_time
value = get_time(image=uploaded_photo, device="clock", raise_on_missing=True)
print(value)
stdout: 5:08:46
